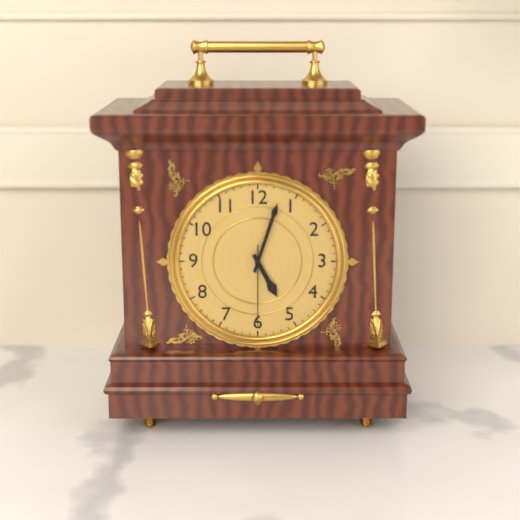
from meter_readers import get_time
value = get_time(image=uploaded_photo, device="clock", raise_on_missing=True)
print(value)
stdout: 5:03:30
